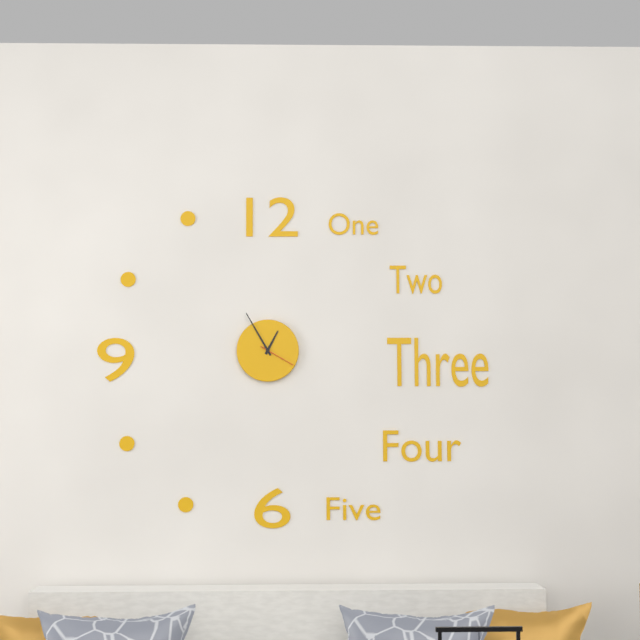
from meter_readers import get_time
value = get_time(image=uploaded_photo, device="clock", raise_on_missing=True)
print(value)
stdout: 12:55
